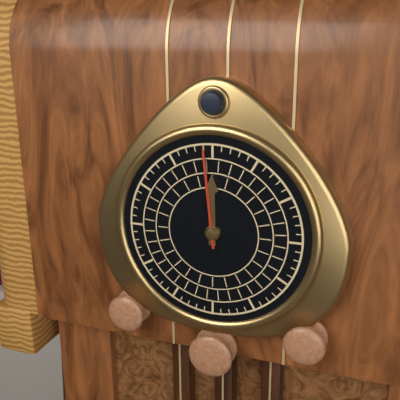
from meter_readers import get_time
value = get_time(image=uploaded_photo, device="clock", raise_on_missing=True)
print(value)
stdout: 11:59
